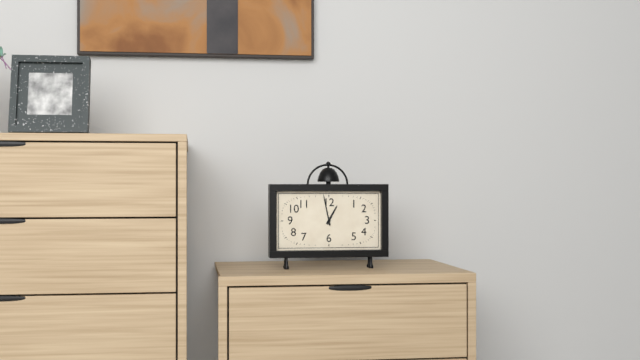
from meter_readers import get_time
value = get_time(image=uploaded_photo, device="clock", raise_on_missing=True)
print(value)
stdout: 12:58
